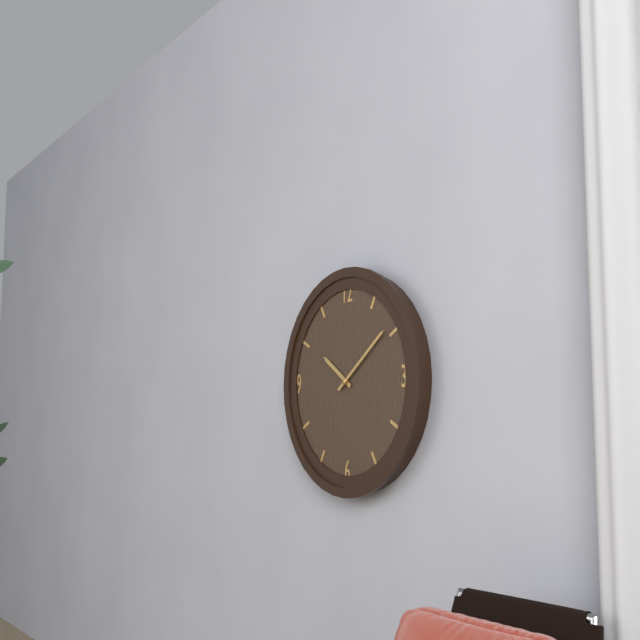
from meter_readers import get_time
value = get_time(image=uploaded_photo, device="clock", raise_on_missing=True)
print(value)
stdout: 10:09
